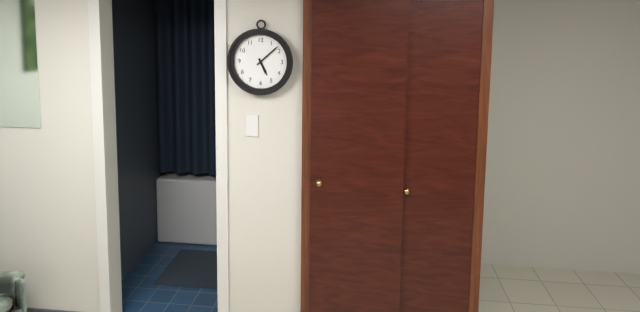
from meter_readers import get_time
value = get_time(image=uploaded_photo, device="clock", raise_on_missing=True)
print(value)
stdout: 5:08
